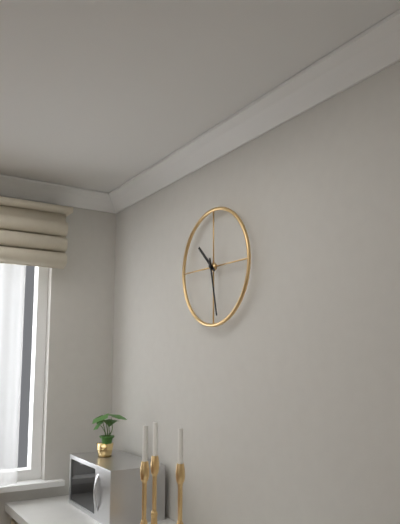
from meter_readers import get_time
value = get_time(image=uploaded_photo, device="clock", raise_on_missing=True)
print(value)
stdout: 10:28
